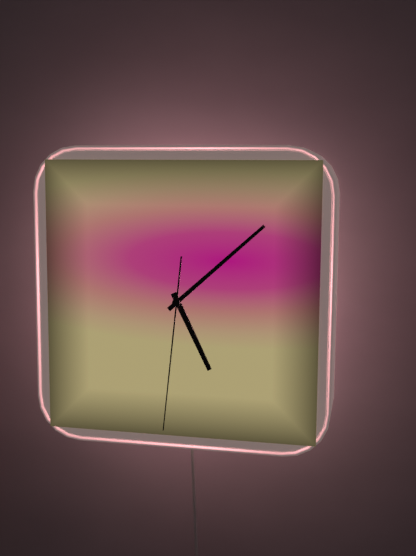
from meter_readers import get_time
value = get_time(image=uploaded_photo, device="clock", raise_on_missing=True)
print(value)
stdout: 5:08:31
